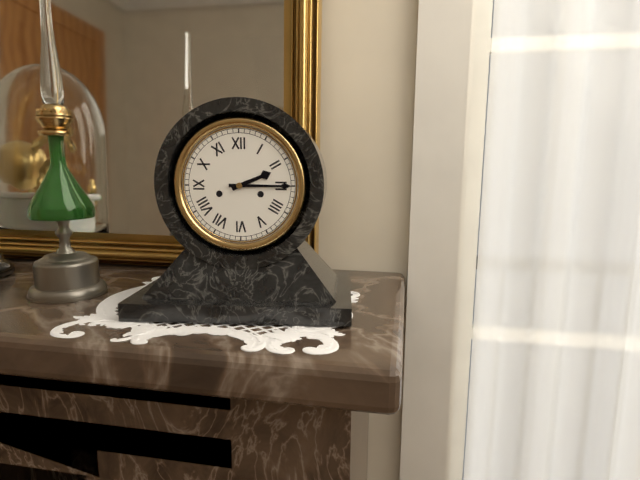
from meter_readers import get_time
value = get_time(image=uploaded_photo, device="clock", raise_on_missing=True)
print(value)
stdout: 2:15
